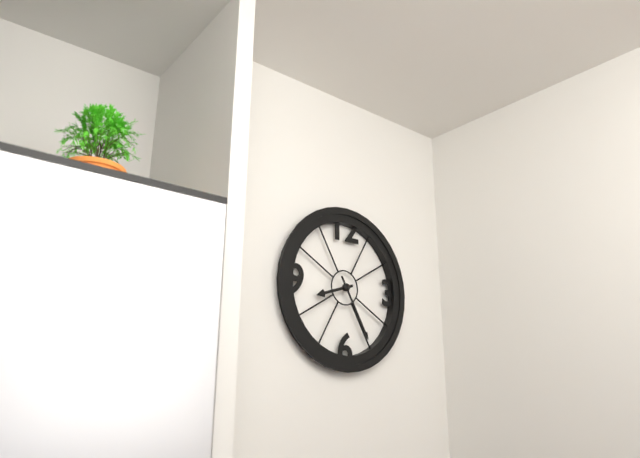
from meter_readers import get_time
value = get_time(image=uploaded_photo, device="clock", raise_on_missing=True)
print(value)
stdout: 8:25
